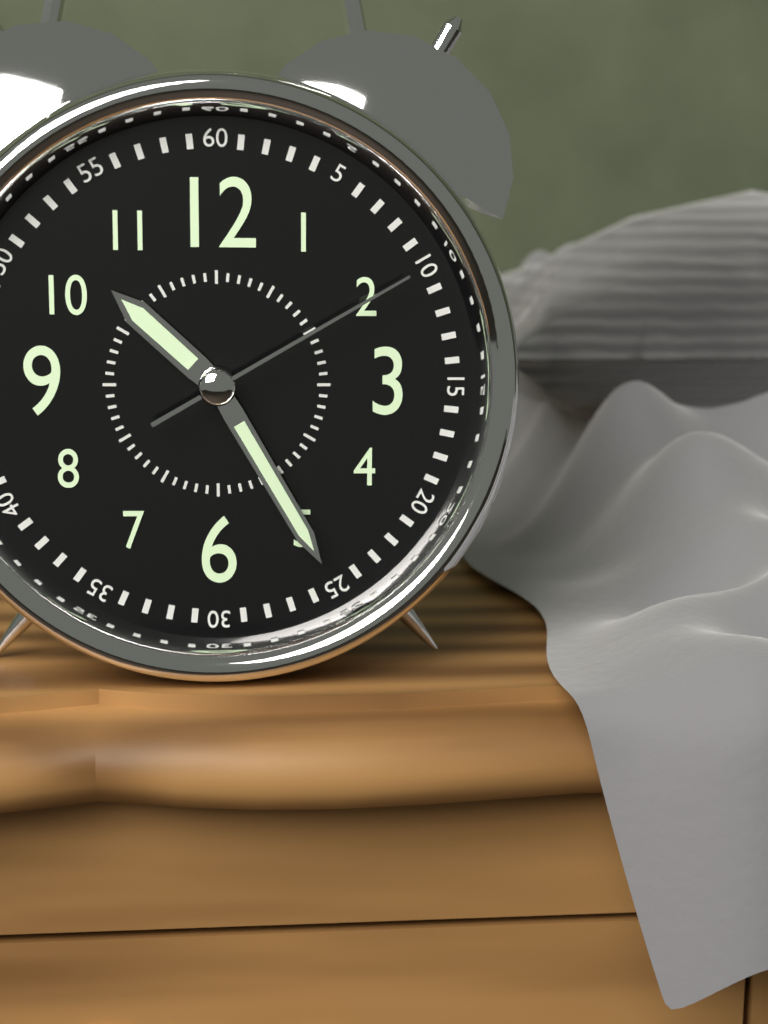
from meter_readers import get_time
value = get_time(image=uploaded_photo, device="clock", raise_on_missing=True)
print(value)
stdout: 10:25:10
